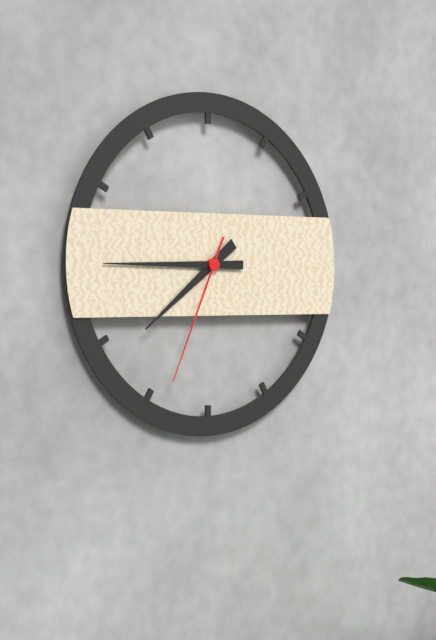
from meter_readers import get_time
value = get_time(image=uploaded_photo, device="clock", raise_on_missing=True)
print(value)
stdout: 7:45:34
